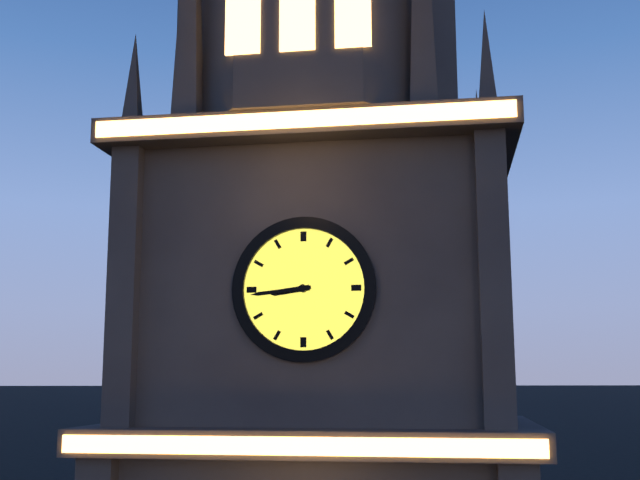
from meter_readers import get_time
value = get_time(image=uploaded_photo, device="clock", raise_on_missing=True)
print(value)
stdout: 8:44
